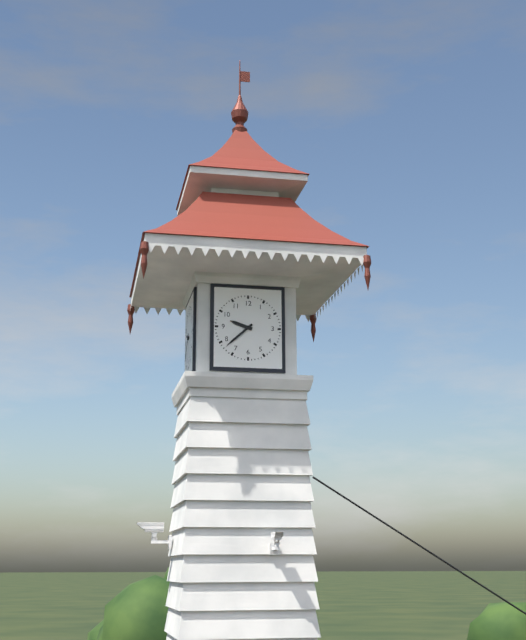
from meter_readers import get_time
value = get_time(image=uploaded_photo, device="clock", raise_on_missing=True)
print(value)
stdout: 9:38
